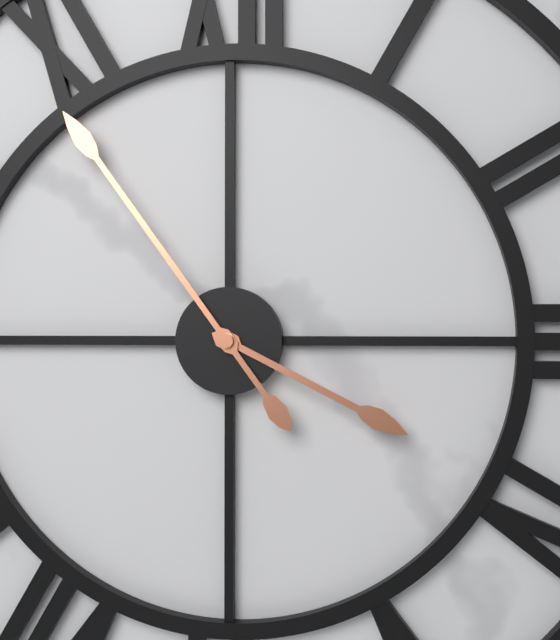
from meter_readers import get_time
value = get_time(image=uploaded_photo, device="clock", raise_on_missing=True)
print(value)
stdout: 3:54
